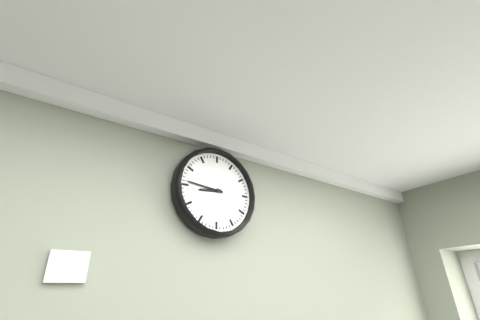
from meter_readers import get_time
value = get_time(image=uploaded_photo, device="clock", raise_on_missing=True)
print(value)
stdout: 8:46
